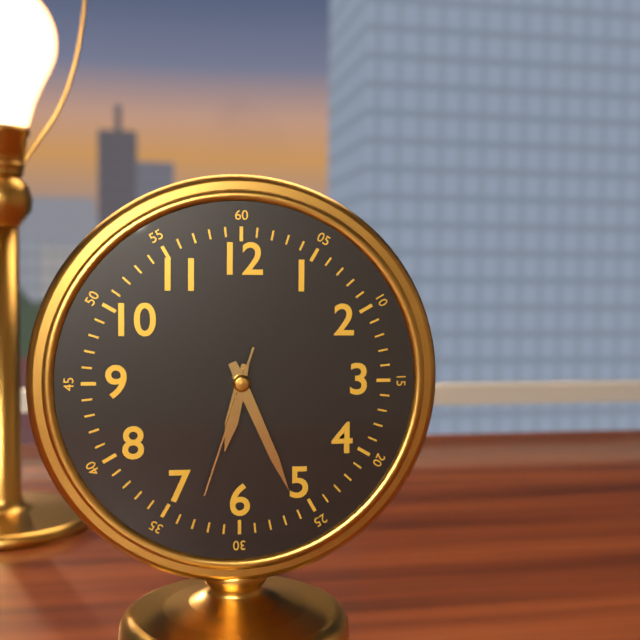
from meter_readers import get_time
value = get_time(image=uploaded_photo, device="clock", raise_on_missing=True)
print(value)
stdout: 6:26:33
